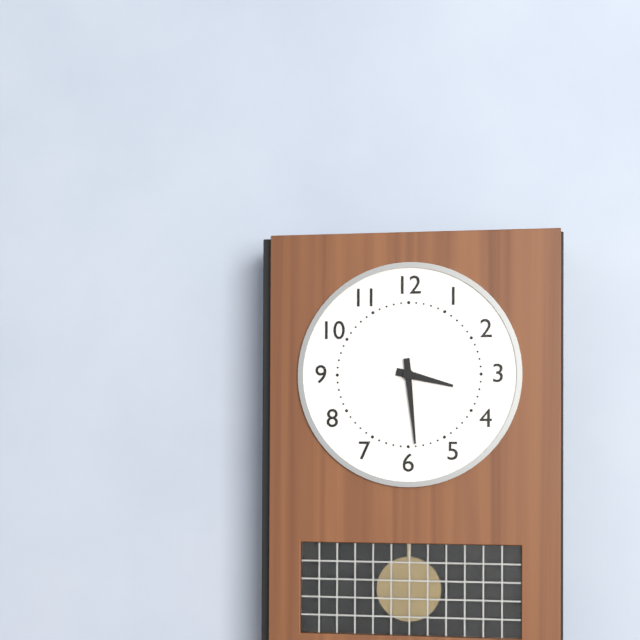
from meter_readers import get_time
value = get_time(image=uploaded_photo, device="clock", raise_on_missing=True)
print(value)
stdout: 3:29
